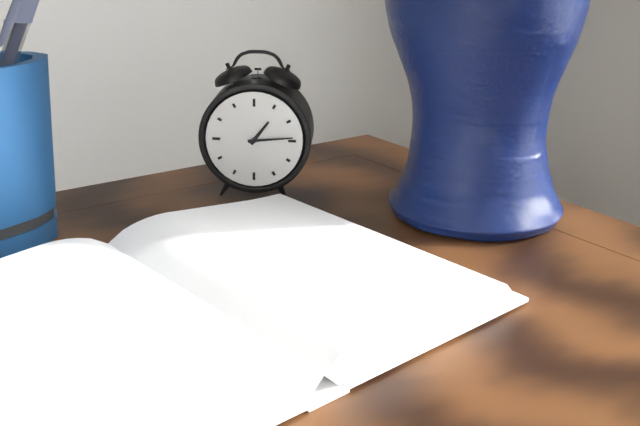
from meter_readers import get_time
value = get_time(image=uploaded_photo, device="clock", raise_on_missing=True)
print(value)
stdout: 1:14
